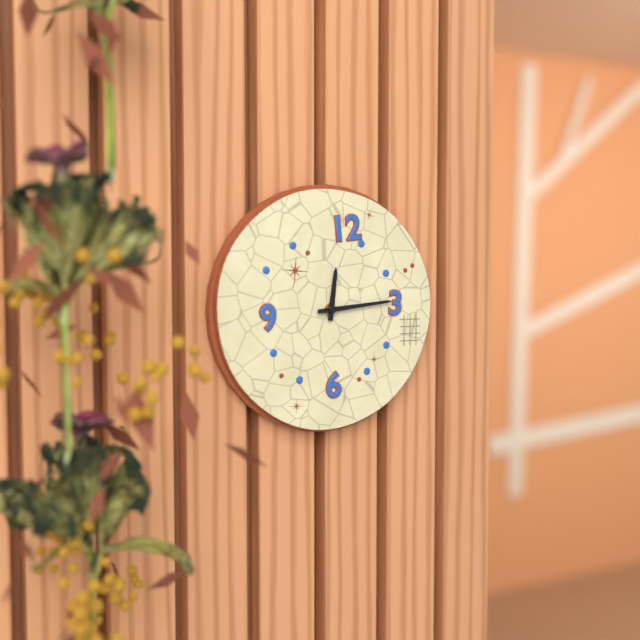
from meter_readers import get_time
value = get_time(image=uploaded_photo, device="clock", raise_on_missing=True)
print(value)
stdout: 12:14
